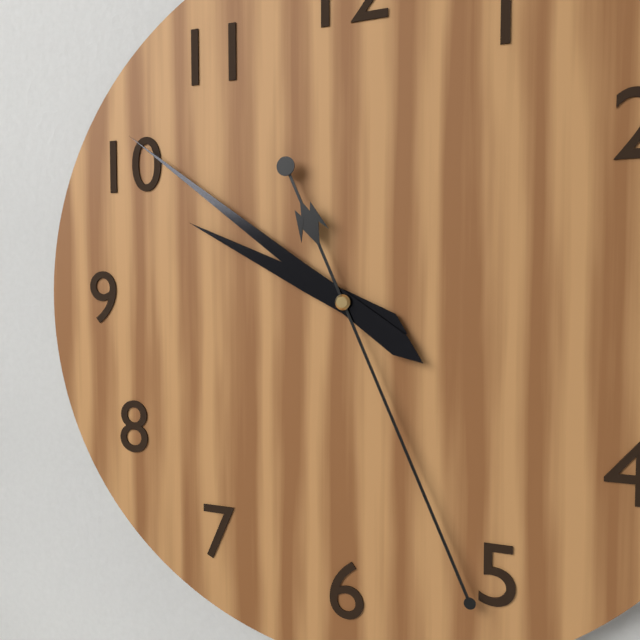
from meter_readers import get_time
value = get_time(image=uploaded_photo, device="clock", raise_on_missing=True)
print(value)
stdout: 9:51:26
